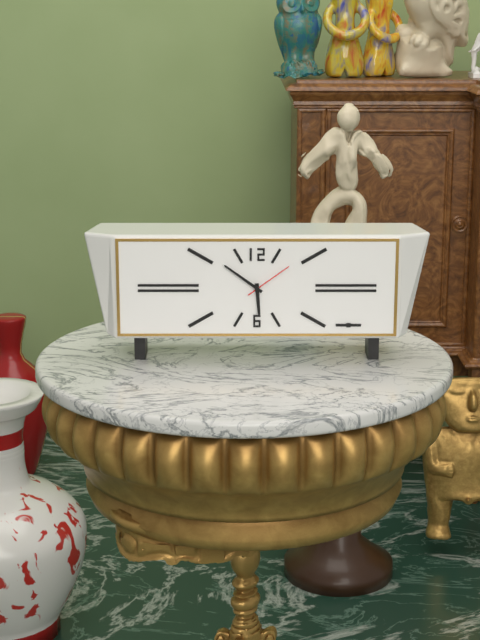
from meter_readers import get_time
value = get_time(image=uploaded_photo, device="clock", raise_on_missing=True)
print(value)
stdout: 5:51
